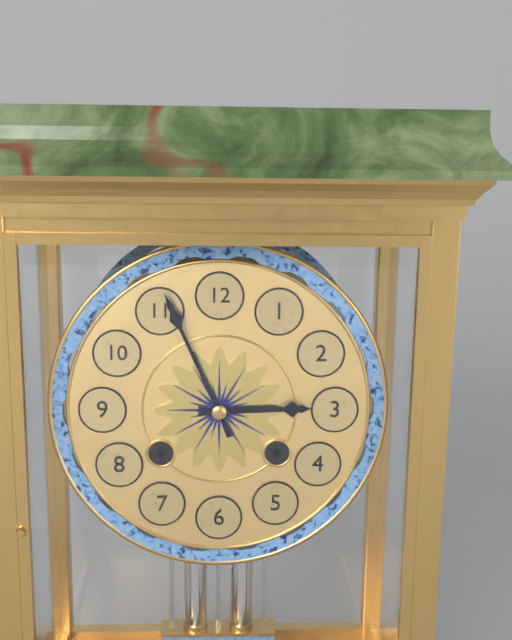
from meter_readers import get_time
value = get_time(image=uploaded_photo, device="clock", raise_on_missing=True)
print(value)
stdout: 2:56
